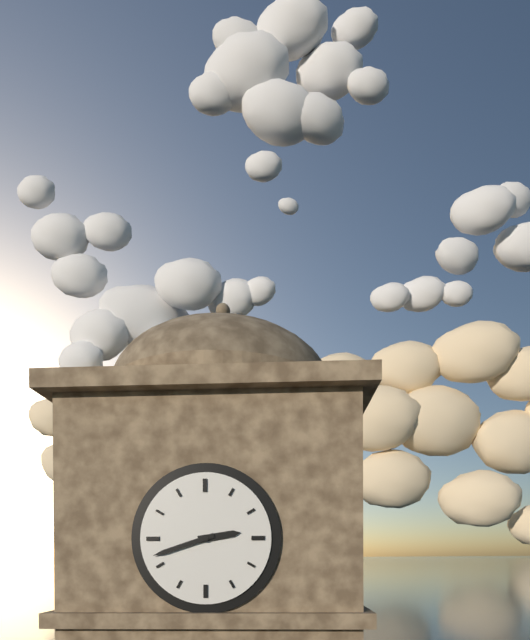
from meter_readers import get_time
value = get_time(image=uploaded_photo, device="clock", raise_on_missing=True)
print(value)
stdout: 2:42
